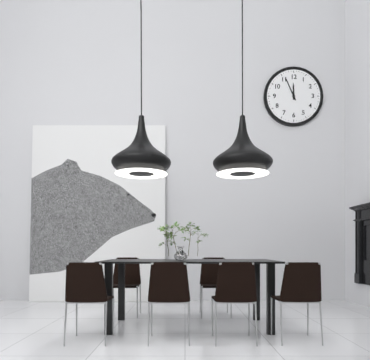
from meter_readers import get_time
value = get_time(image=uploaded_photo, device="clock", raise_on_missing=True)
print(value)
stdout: 11:56
